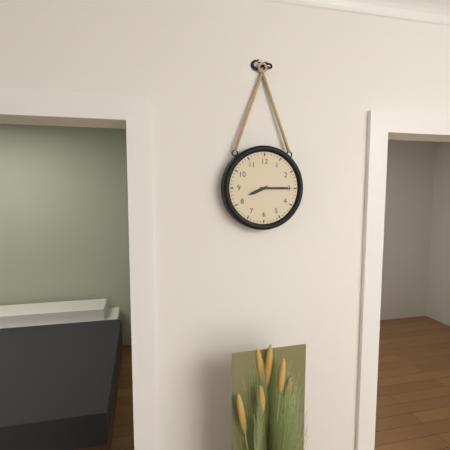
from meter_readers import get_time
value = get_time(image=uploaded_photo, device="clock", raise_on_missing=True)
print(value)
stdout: 8:15
